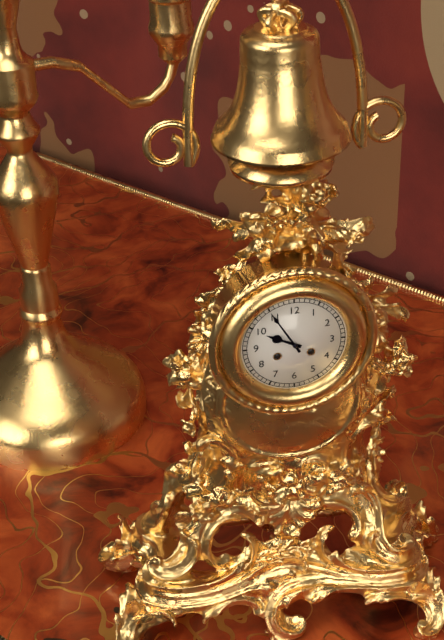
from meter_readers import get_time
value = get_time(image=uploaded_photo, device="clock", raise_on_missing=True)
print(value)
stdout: 9:55
